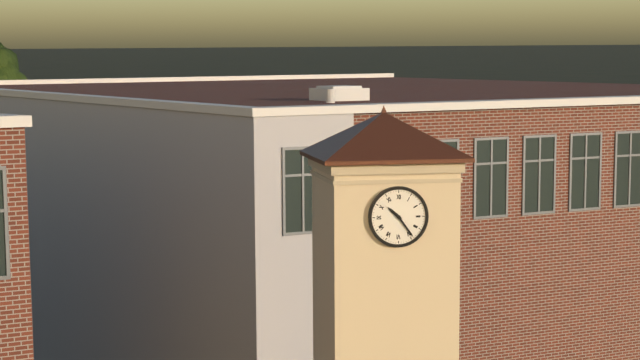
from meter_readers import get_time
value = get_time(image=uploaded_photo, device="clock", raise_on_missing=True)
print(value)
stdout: 10:24
